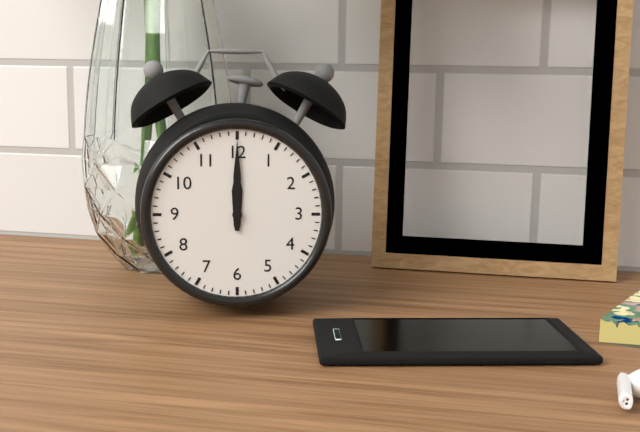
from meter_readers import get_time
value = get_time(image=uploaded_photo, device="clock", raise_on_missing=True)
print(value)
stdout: 12:00
